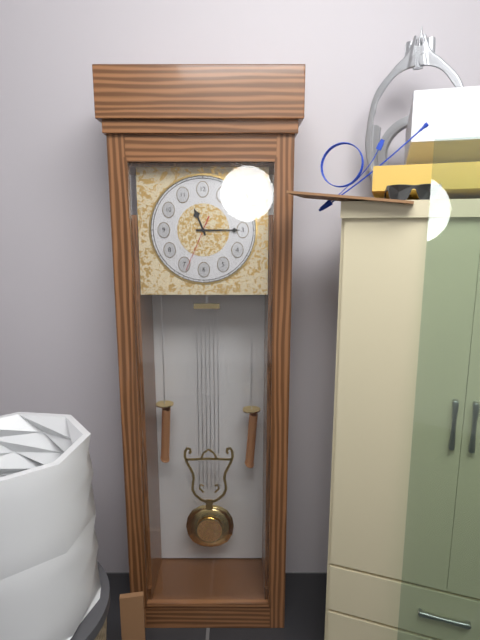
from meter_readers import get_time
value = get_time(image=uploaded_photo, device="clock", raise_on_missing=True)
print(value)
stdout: 11:15:34
